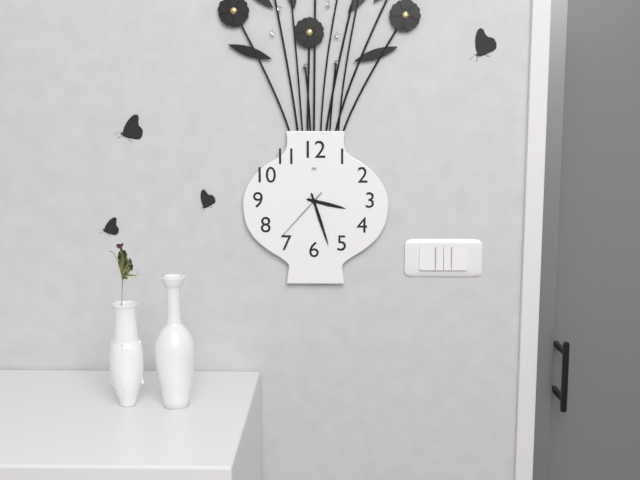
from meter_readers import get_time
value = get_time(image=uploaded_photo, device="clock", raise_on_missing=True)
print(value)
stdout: 3:27:37
